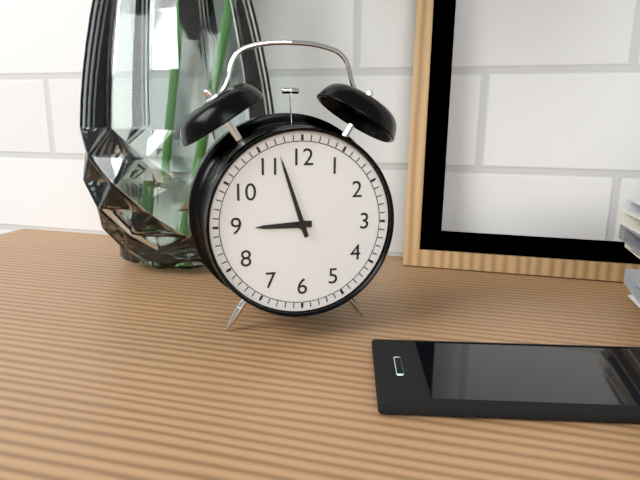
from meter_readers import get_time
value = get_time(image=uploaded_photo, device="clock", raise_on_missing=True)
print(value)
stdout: 8:57
